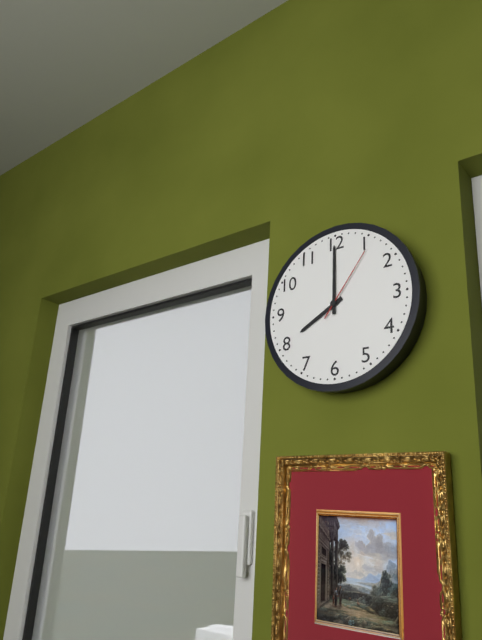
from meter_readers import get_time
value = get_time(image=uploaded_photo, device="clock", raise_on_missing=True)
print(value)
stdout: 8:00:06
